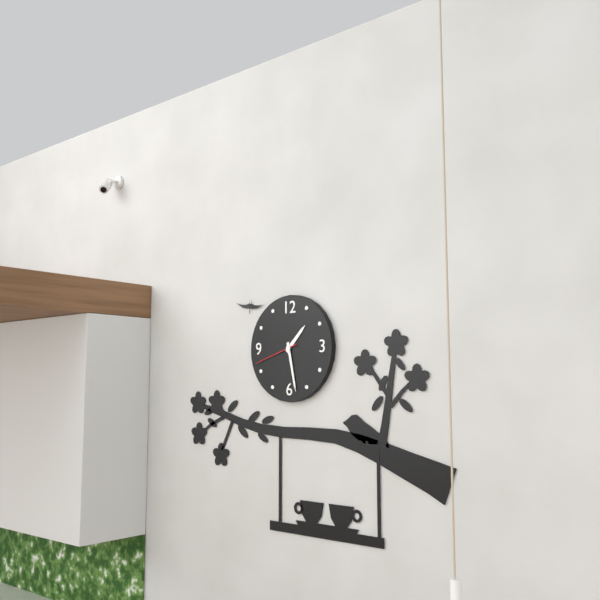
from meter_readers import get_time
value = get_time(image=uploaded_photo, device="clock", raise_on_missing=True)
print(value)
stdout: 1:28
